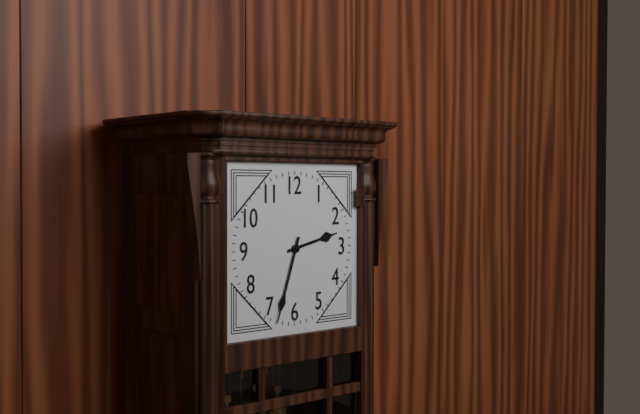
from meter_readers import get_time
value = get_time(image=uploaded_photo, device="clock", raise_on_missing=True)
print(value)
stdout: 2:33
